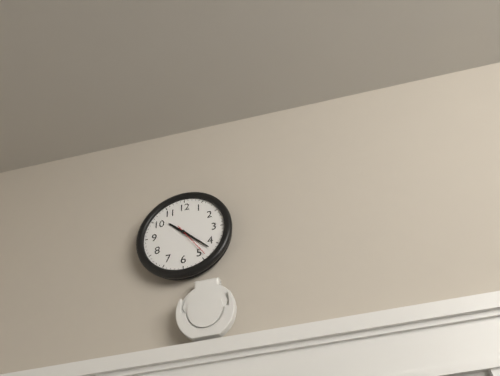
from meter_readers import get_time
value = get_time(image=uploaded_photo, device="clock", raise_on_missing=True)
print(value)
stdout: 10:22
